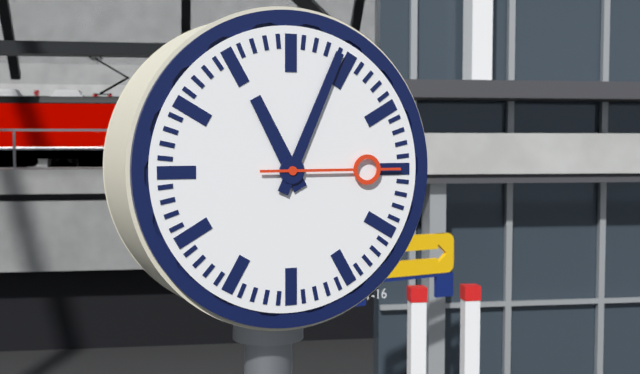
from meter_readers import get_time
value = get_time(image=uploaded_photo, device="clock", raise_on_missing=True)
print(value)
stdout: 11:04:15
